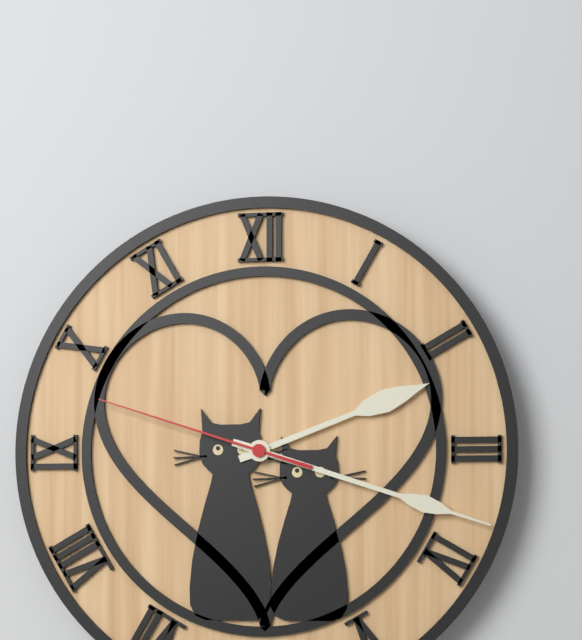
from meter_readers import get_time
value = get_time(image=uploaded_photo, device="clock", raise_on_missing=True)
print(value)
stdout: 2:18:48
